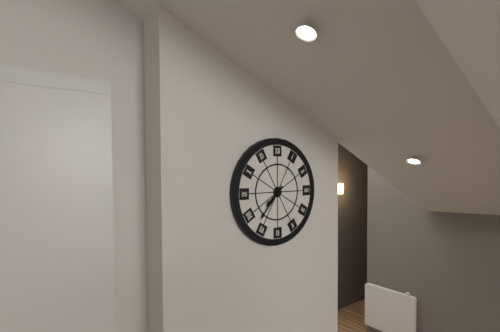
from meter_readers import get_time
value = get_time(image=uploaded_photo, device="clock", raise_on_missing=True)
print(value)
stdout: 7:37
